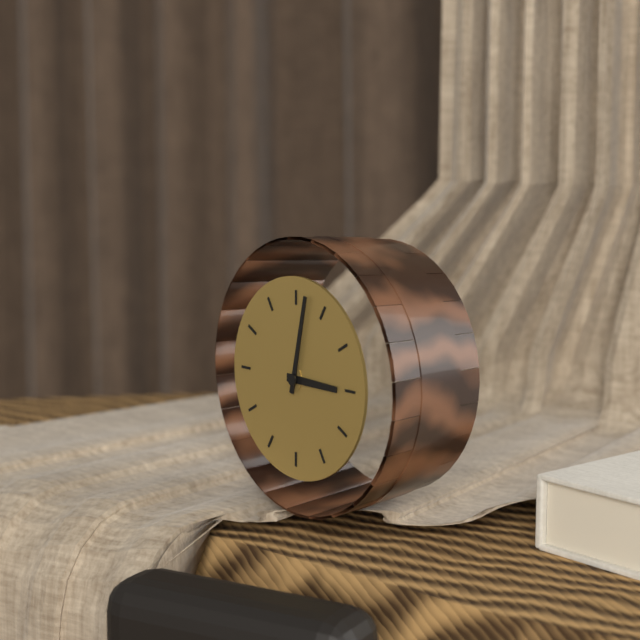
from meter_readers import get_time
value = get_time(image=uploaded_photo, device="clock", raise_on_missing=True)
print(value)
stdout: 3:02
